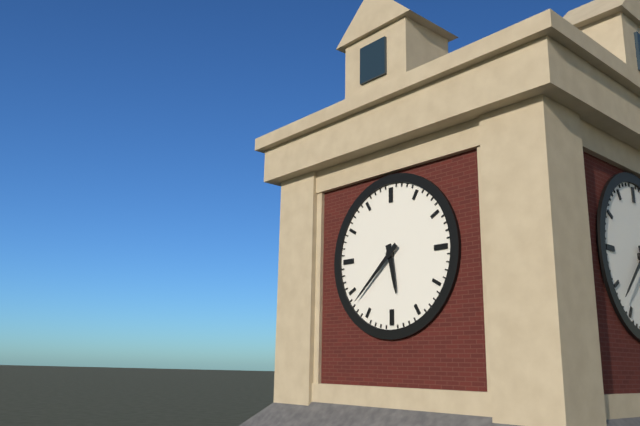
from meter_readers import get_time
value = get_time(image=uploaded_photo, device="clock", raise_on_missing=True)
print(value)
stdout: 5:38
